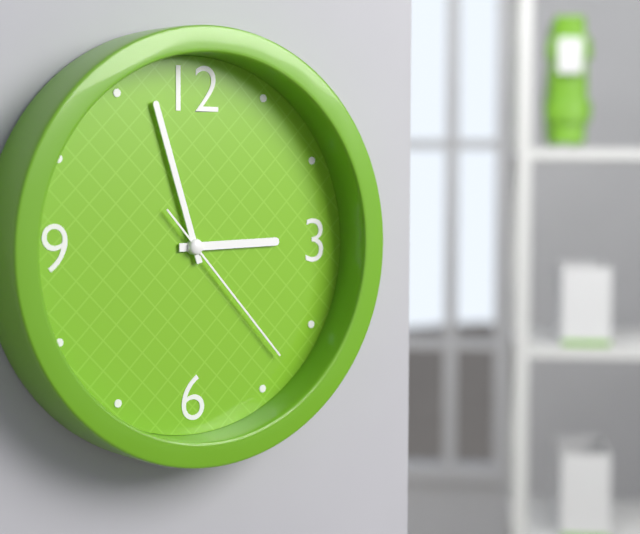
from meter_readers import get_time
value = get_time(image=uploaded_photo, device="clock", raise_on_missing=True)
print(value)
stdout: 2:57:23
